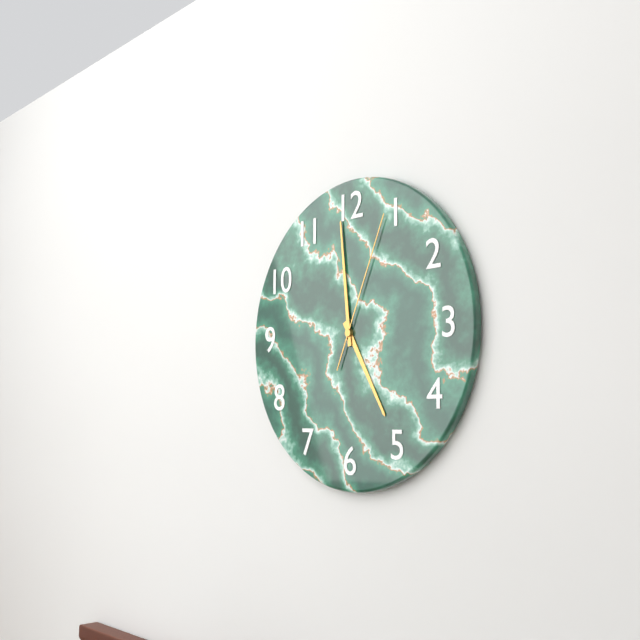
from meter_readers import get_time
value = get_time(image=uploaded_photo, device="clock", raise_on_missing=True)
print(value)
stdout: 4:59:04
